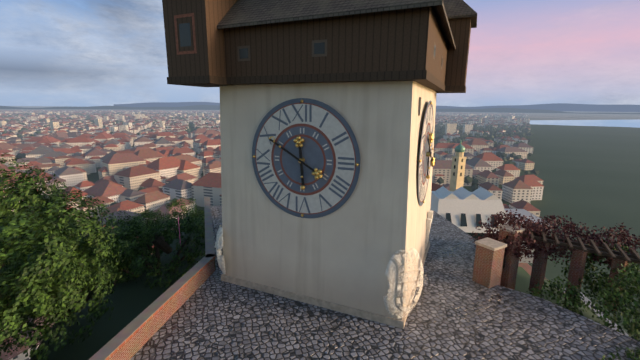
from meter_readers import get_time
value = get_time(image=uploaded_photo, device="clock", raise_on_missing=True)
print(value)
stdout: 5:50
